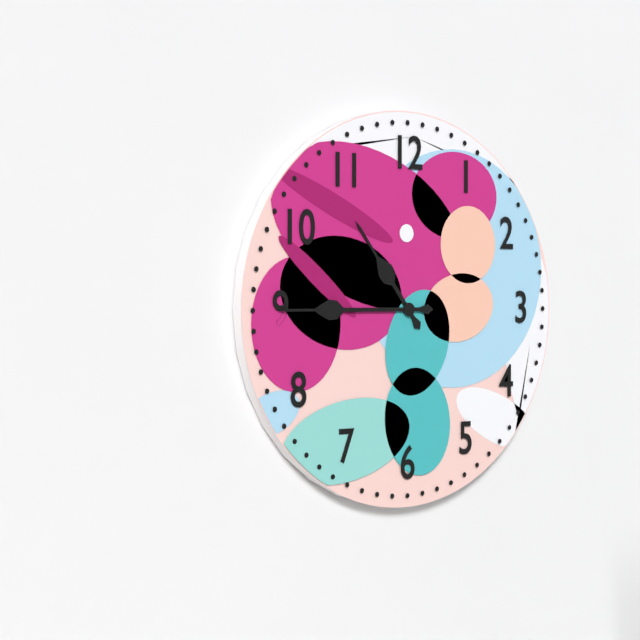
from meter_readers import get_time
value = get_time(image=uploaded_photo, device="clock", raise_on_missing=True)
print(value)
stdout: 10:45
